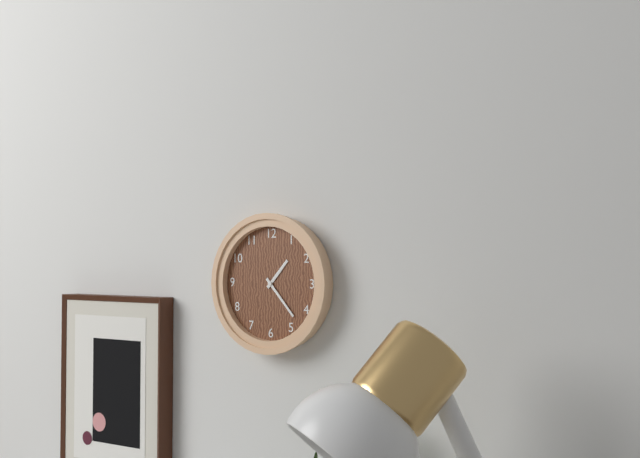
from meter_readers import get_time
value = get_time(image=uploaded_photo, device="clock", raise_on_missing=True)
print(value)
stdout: 1:23
